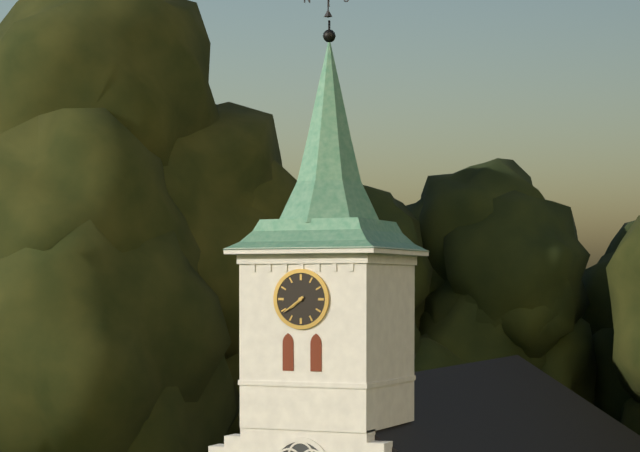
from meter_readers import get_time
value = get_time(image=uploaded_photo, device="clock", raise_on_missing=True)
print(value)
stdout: 7:39
